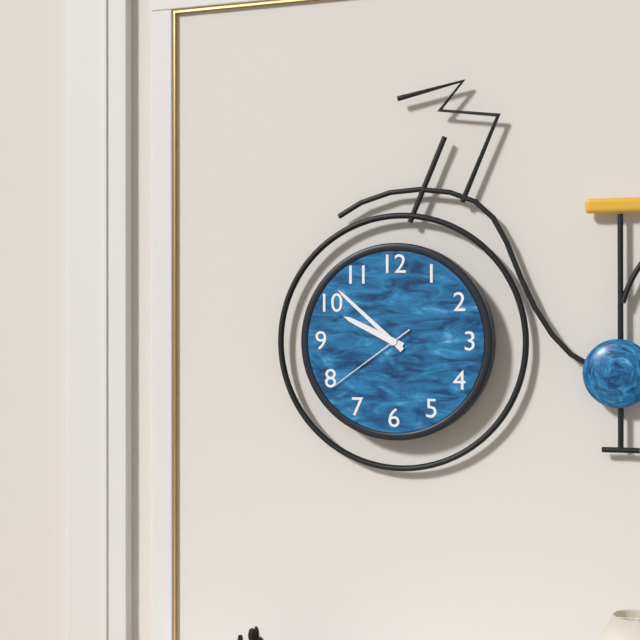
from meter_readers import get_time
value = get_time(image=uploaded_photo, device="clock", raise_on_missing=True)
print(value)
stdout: 9:52:39
